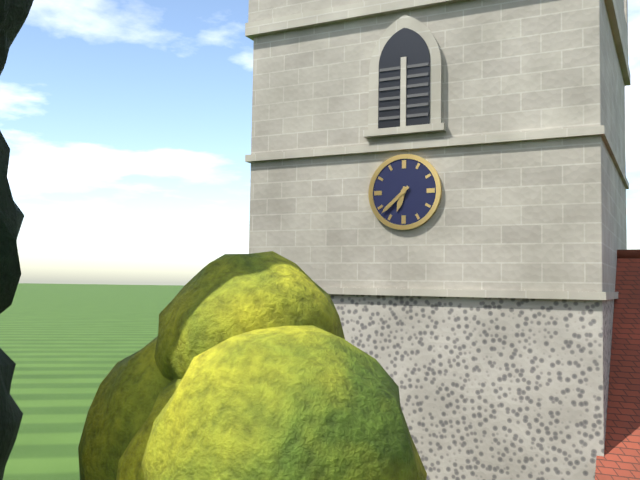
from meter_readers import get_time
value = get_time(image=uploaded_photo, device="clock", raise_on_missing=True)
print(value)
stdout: 6:38
